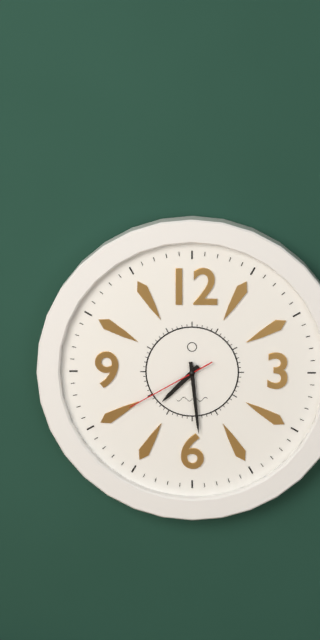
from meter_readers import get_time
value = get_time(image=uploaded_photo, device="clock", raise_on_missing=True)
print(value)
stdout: 7:29:40
